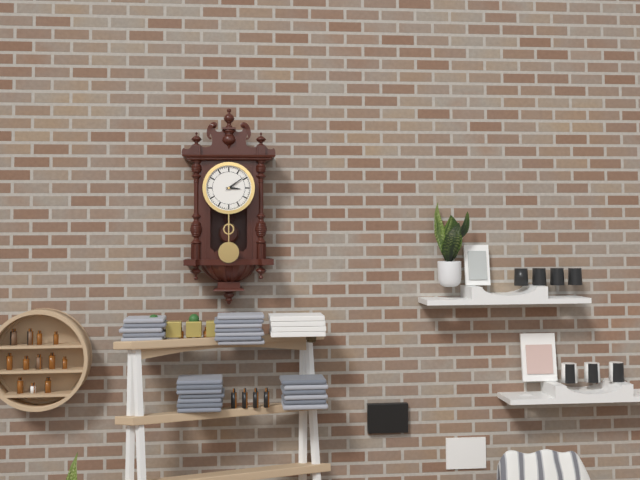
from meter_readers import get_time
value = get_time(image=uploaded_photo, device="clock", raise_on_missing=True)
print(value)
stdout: 3:09
